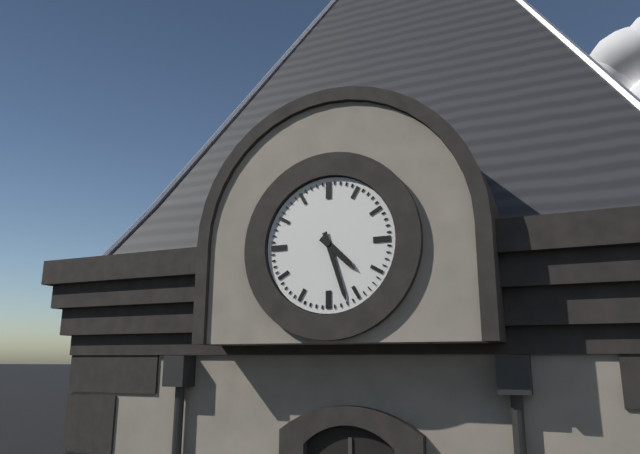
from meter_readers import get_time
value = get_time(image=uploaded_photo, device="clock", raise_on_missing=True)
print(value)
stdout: 4:27
